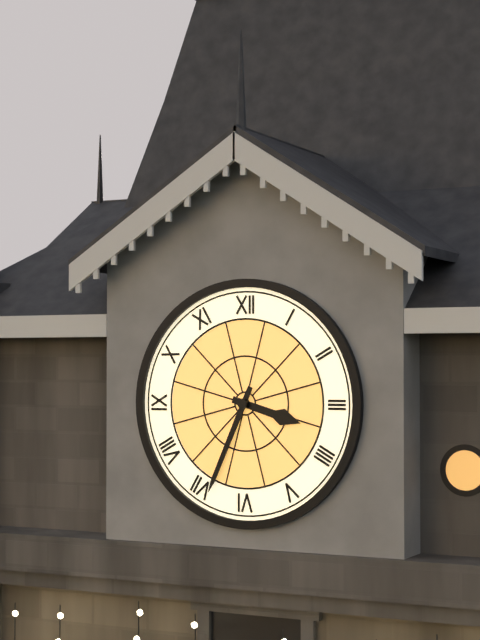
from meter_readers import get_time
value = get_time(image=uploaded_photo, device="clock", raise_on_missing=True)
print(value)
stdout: 3:34
